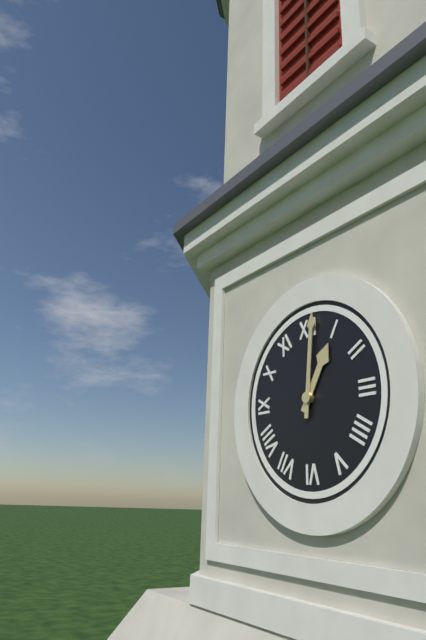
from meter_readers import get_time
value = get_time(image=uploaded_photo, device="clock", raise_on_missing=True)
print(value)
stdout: 1:01
